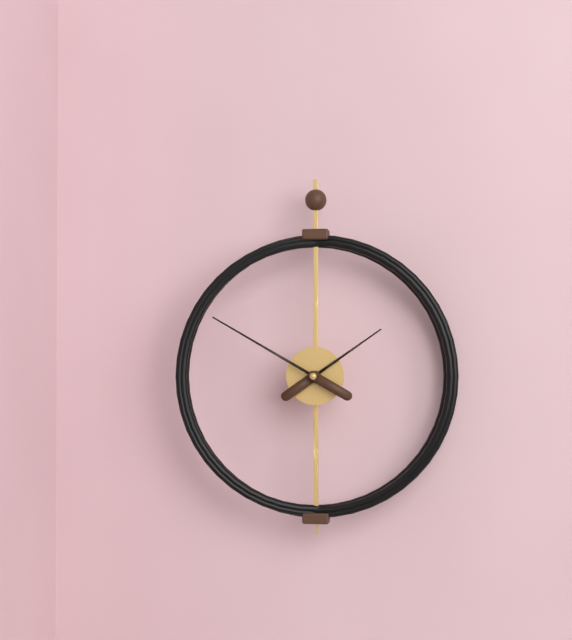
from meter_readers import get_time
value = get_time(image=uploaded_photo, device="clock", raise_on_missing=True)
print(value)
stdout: 1:50
